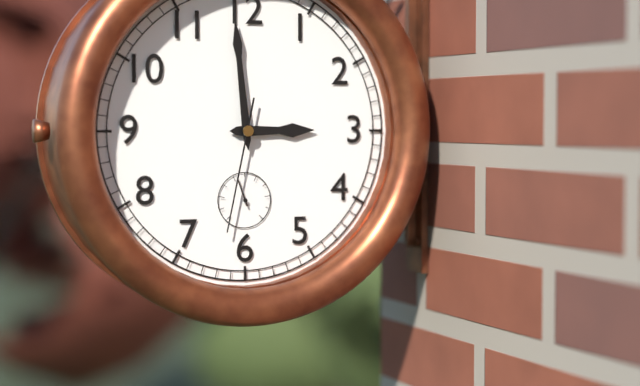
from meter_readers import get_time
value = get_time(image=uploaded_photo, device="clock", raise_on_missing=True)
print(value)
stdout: 2:59:32
